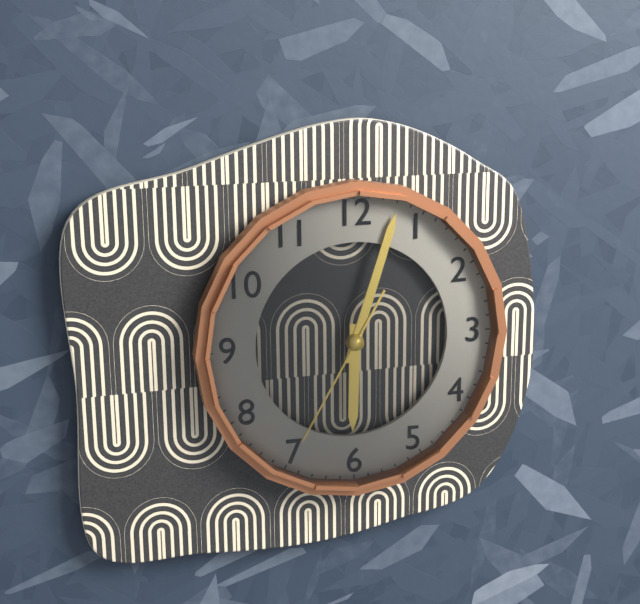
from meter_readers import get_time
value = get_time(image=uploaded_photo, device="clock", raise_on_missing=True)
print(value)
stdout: 6:03:35
